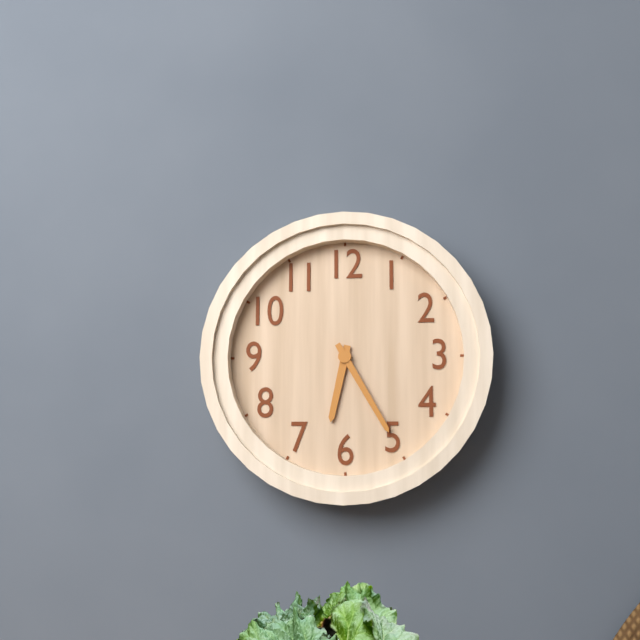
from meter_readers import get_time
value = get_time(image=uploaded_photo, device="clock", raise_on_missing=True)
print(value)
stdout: 6:25
